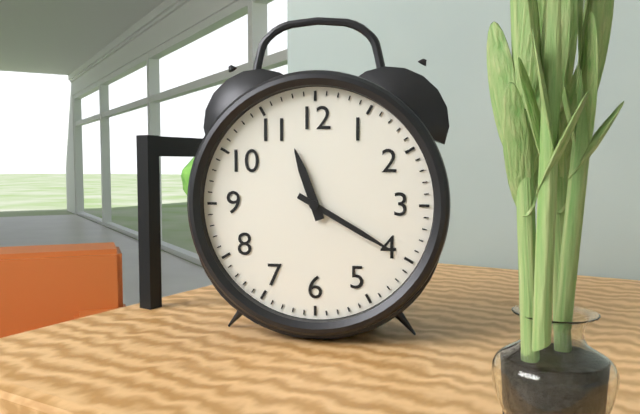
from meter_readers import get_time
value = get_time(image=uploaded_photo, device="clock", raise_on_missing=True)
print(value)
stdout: 11:20
